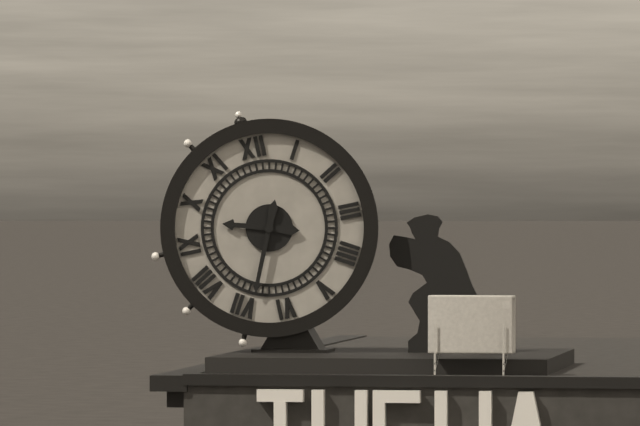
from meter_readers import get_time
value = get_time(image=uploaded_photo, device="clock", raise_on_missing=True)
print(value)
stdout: 9:34
